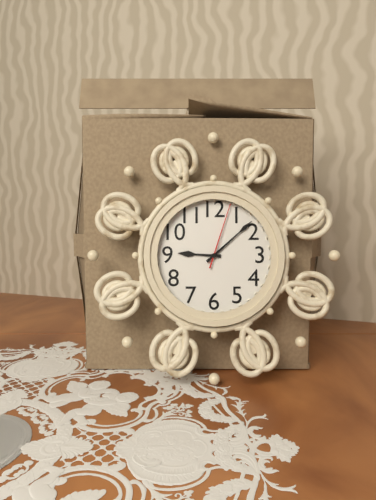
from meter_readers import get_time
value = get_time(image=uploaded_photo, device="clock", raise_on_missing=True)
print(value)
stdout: 9:08:03
